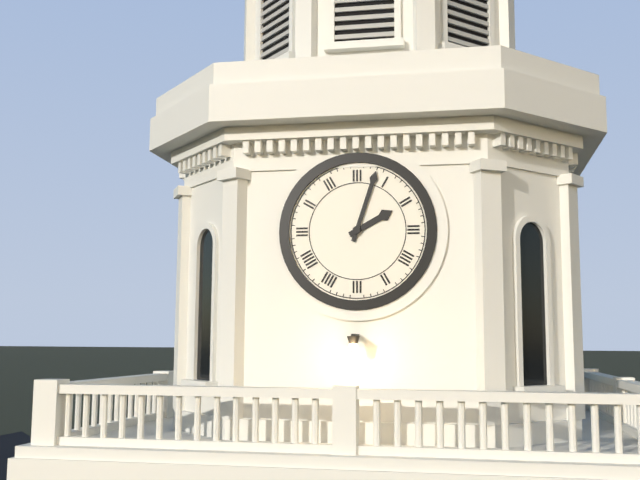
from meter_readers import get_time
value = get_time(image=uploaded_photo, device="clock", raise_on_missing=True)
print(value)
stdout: 2:03
